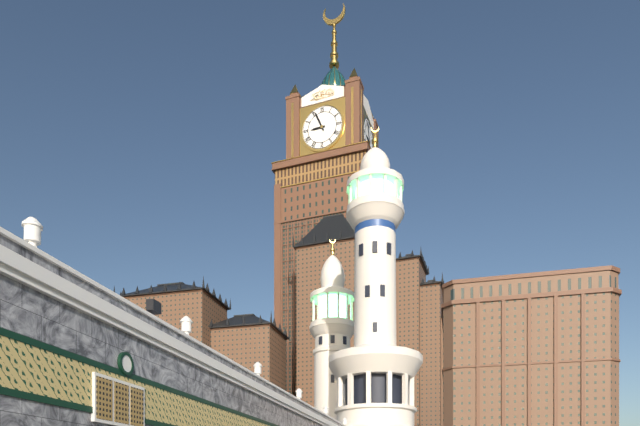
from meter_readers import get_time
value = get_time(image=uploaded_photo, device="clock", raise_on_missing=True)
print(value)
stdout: 8:56
